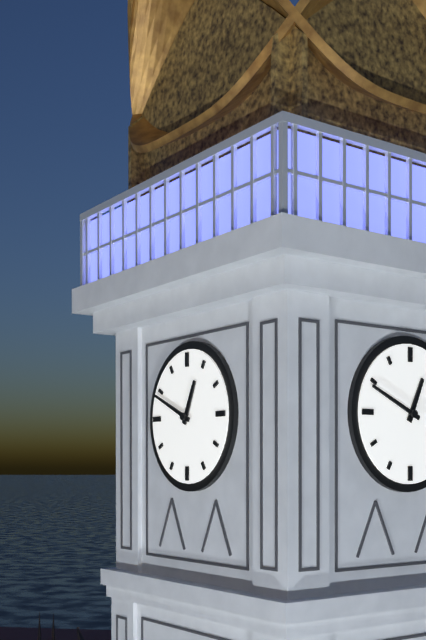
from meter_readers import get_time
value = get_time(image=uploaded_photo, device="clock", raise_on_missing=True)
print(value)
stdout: 12:49
